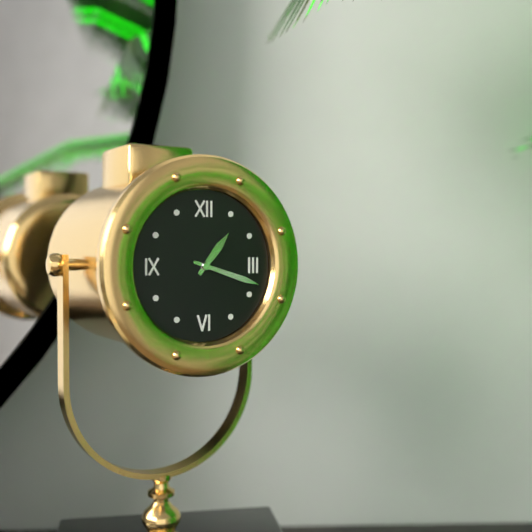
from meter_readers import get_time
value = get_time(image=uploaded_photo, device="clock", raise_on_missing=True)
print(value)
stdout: 1:18
